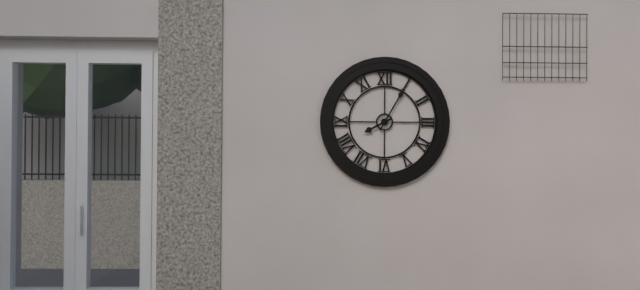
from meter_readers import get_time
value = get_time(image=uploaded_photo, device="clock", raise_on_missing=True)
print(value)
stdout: 8:05
